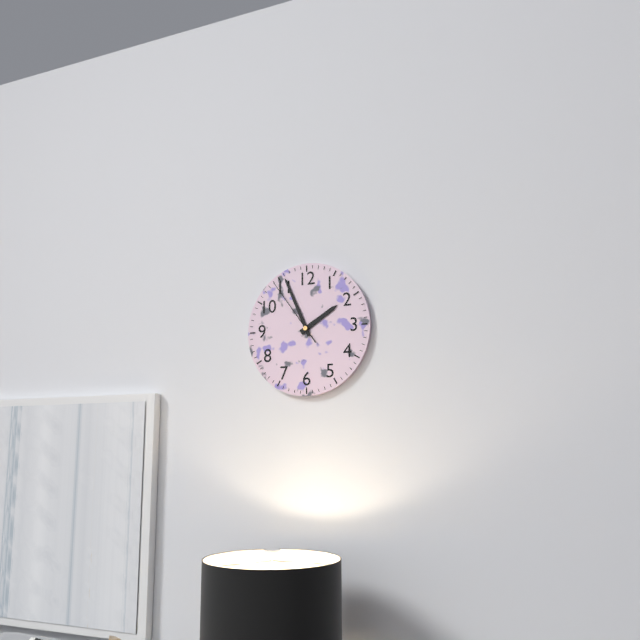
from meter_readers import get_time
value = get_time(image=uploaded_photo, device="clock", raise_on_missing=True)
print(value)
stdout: 1:56:54
